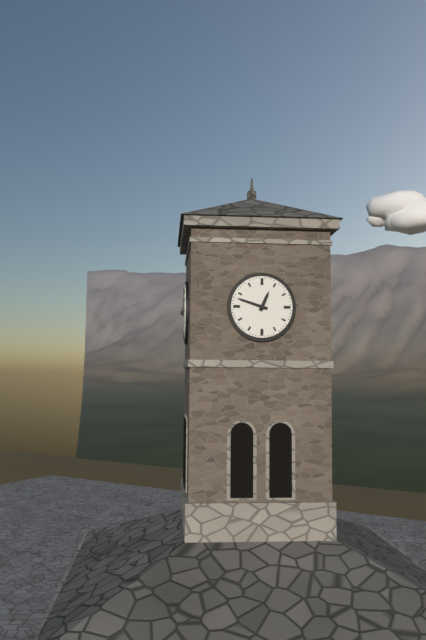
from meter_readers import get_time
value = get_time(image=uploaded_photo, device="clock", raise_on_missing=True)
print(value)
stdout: 12:48
